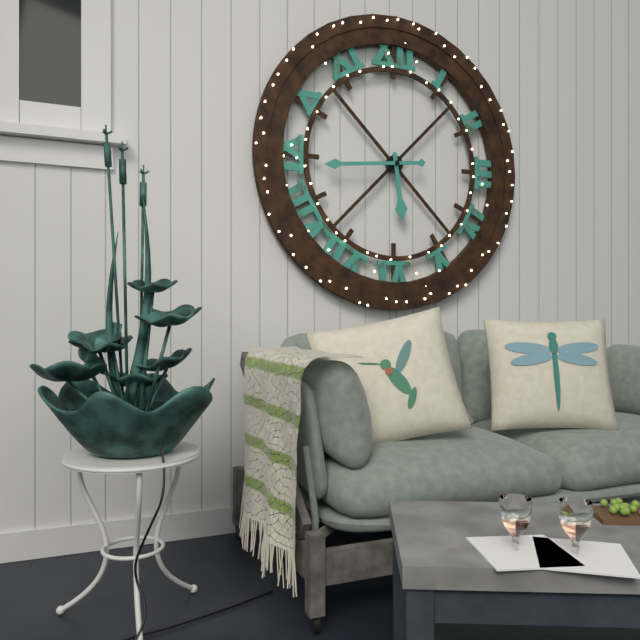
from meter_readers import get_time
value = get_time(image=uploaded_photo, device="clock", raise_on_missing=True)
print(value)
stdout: 5:44
